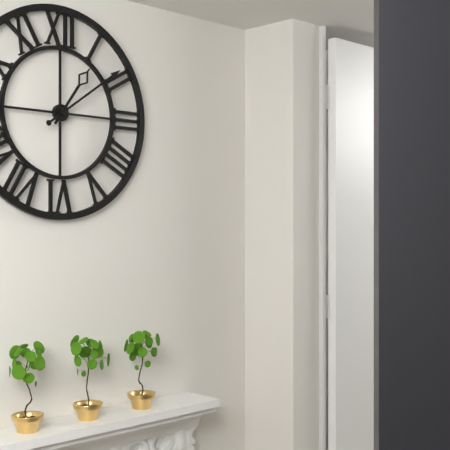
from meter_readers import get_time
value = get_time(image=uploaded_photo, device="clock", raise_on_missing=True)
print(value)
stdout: 1:09
